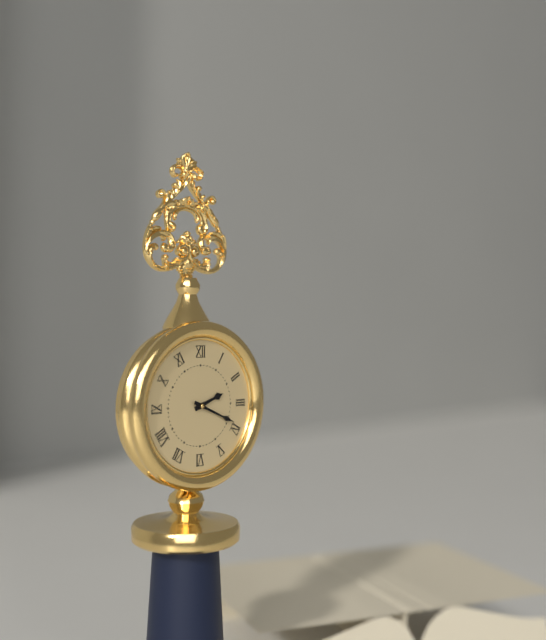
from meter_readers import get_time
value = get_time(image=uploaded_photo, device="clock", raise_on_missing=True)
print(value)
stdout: 2:19
